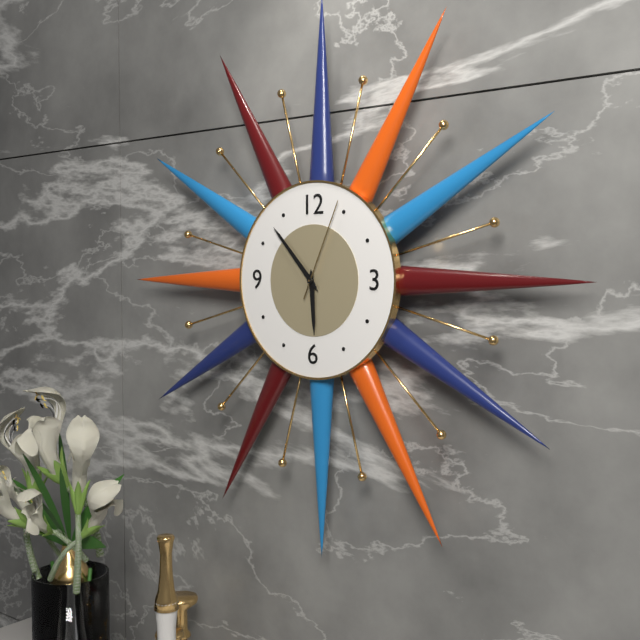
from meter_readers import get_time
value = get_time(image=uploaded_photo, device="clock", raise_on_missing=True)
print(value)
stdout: 5:53:04
